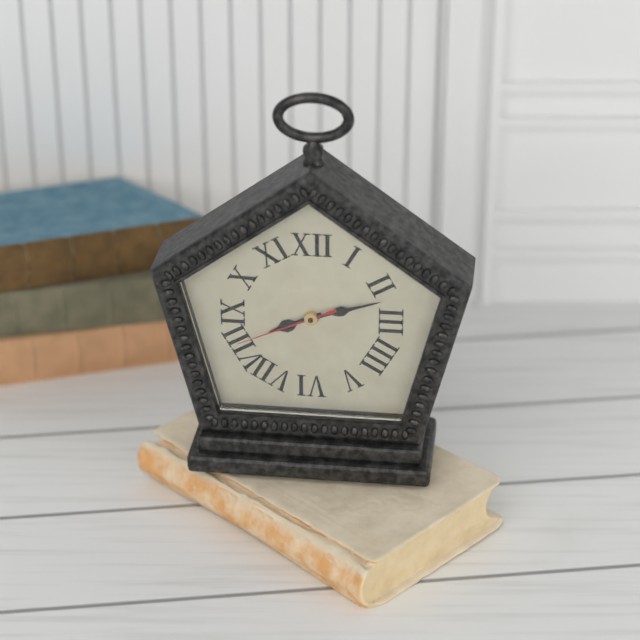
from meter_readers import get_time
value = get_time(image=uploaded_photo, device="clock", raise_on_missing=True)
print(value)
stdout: 8:12:41
